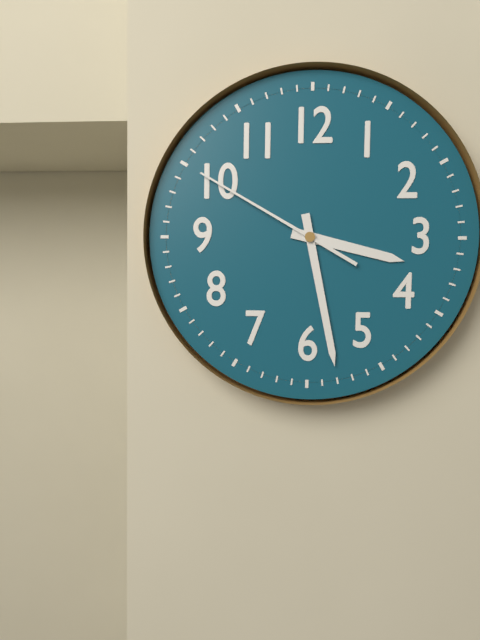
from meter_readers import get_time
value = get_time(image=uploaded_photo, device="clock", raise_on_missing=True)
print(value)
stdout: 3:28:50
